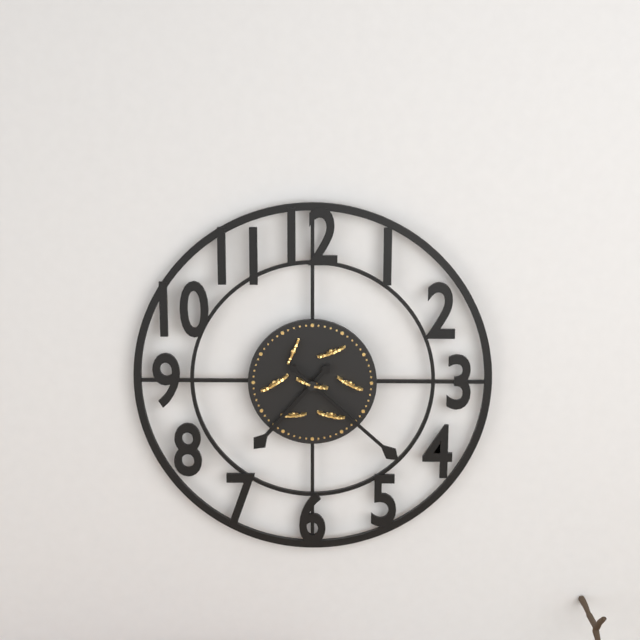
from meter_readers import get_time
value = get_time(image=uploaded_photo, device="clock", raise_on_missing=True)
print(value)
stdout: 7:22
